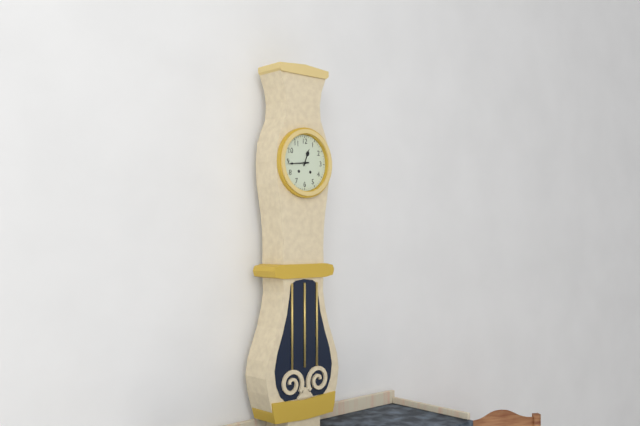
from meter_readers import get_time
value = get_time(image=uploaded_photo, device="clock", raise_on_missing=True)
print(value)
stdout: 12:44
